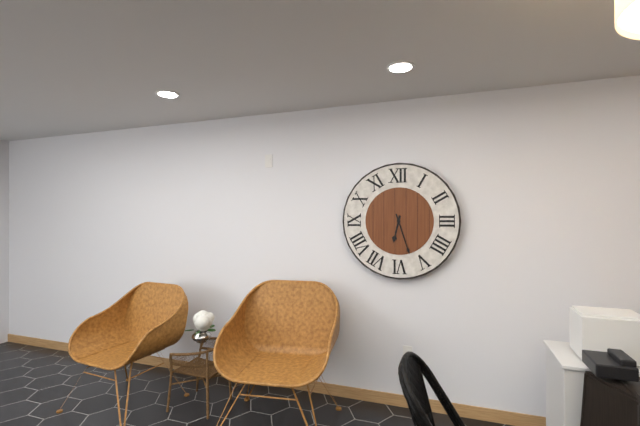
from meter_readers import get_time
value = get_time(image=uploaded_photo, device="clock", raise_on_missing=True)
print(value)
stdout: 6:27
